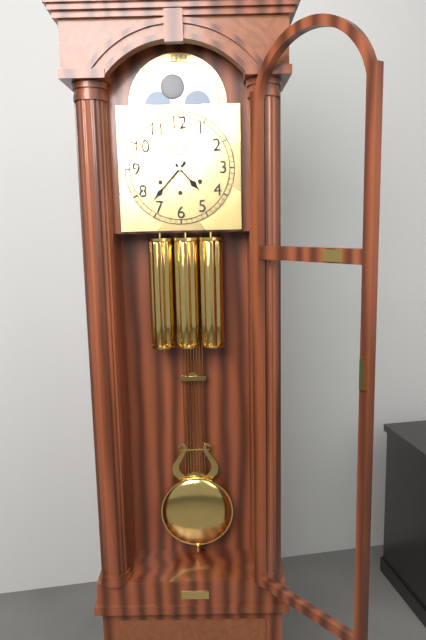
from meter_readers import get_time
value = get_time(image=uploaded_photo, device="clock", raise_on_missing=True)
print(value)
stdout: 4:37
